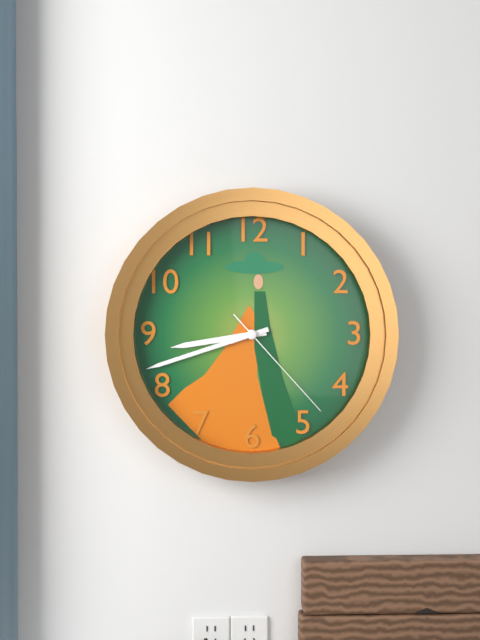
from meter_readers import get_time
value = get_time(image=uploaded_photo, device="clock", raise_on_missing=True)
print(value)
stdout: 8:42:23
